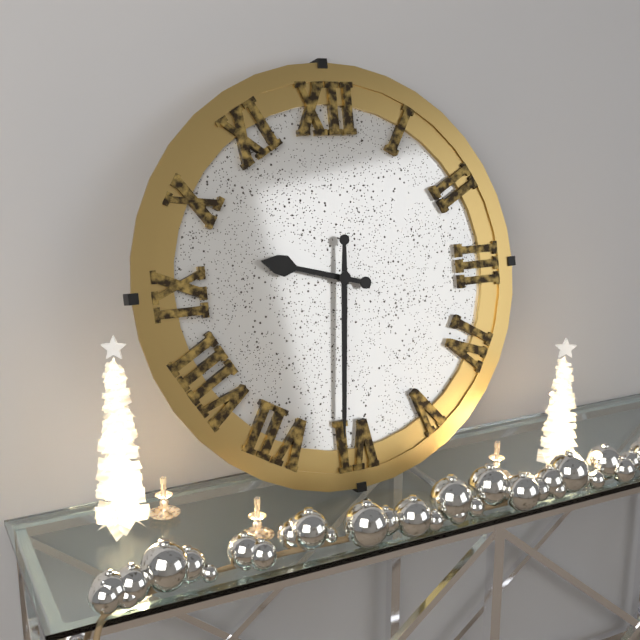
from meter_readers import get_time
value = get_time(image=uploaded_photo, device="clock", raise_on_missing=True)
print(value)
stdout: 9:31
